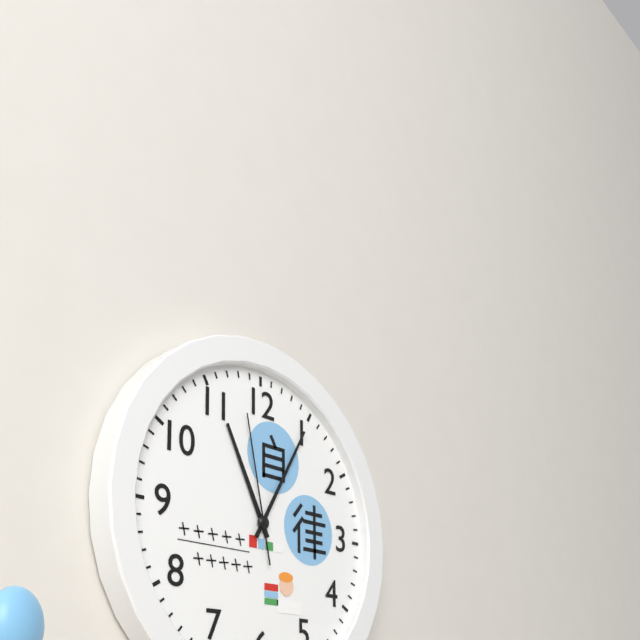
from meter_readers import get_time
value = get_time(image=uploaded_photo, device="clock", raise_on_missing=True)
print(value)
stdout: 11:05:58
